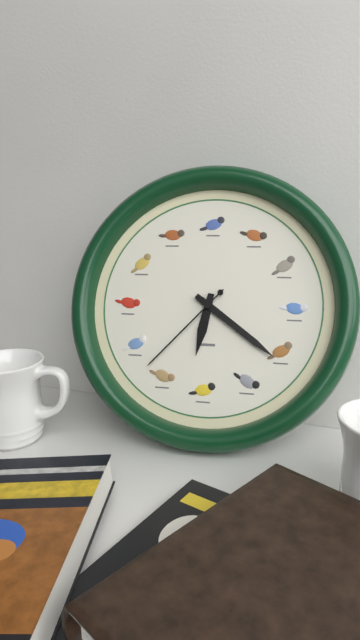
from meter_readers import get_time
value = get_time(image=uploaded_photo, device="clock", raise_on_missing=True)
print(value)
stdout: 6:21:37
